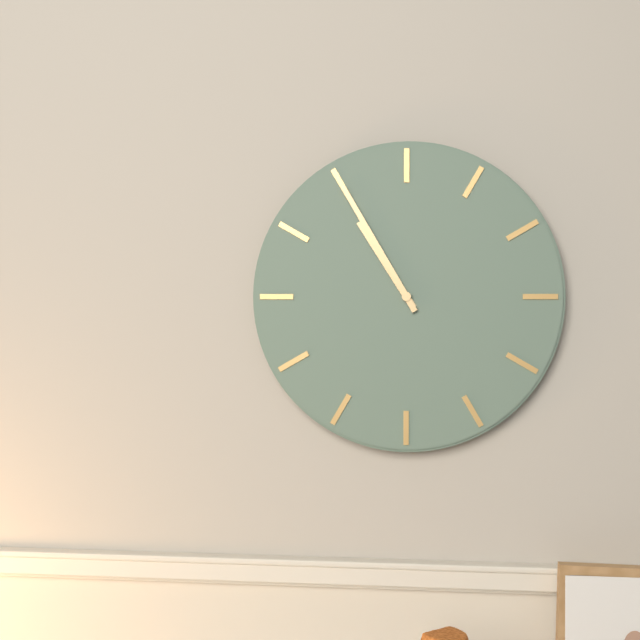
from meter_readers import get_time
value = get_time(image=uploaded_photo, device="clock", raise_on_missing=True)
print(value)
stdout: 10:55
